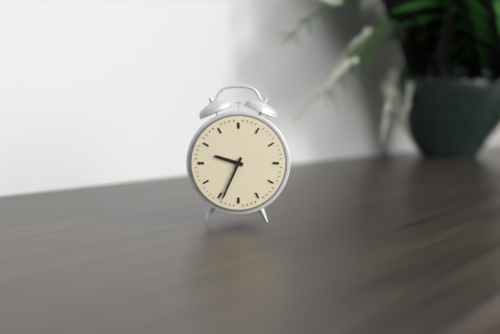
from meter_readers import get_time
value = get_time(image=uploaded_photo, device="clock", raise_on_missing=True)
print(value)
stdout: 9:34
